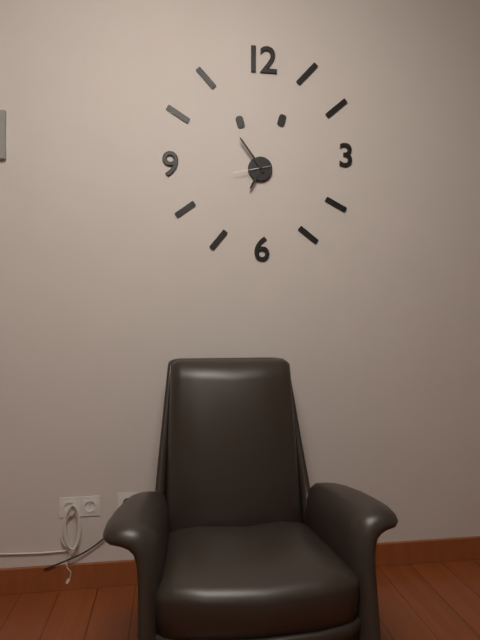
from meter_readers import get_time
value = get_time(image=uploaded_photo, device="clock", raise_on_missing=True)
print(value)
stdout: 6:54
